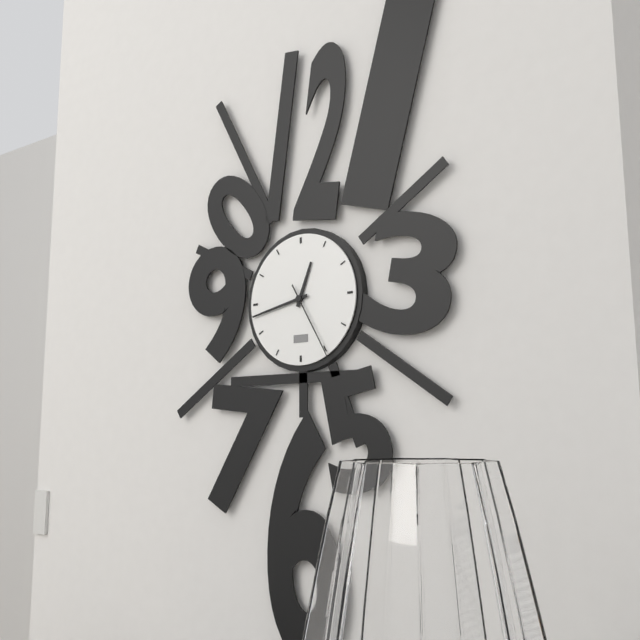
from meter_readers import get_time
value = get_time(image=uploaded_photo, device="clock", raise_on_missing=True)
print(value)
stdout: 12:43:25
